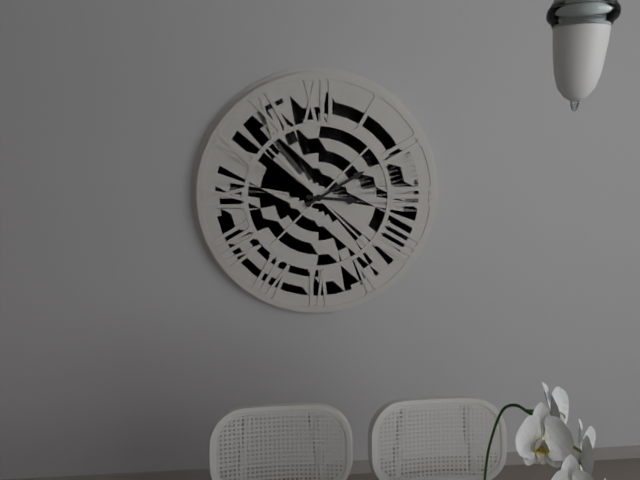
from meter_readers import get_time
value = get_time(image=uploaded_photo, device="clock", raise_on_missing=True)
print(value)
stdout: 3:10
